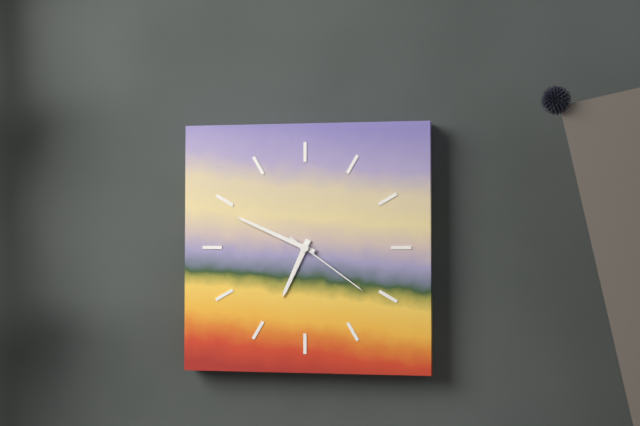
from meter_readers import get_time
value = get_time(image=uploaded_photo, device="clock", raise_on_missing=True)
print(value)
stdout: 6:49:21
